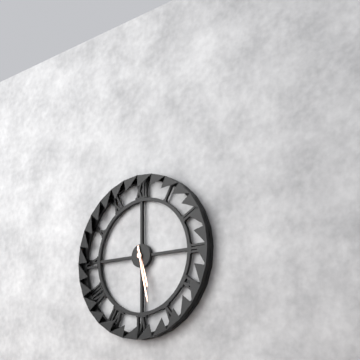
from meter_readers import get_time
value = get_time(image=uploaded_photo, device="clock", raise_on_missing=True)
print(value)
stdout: 5:28
